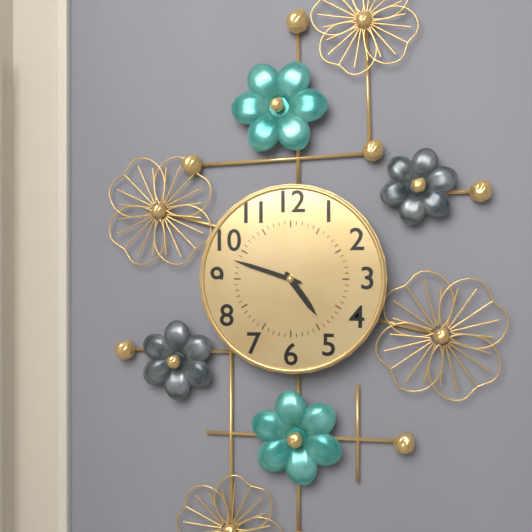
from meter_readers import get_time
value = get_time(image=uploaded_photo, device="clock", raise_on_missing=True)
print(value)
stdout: 4:48
